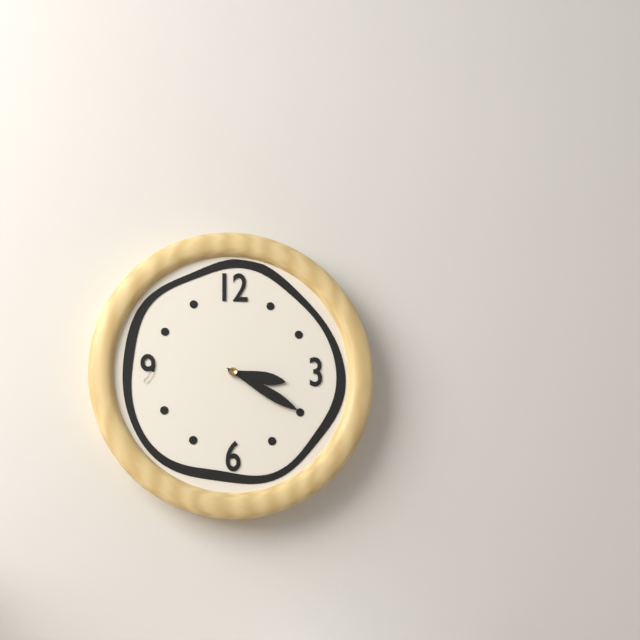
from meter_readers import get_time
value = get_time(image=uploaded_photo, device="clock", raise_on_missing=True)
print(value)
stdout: 3:20
